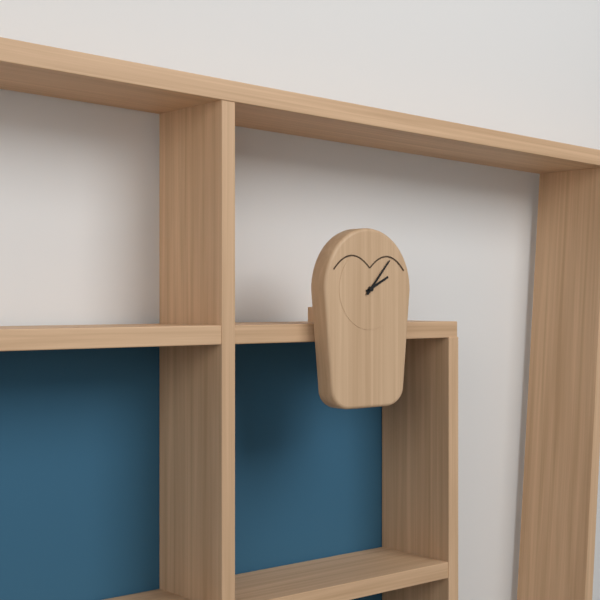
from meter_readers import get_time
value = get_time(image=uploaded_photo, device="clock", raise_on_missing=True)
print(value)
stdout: 2:07
